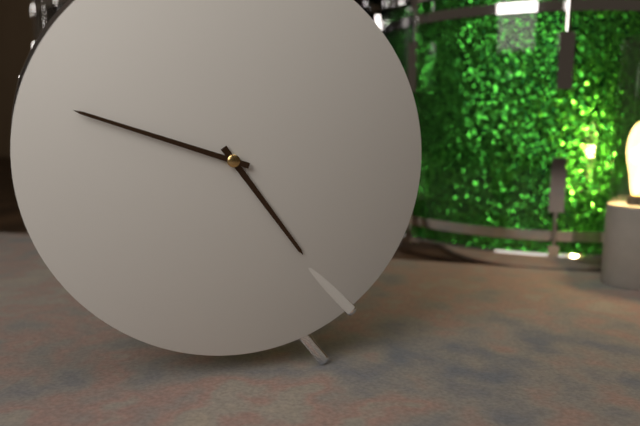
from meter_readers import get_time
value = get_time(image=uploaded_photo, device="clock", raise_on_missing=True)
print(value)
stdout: 4:48
